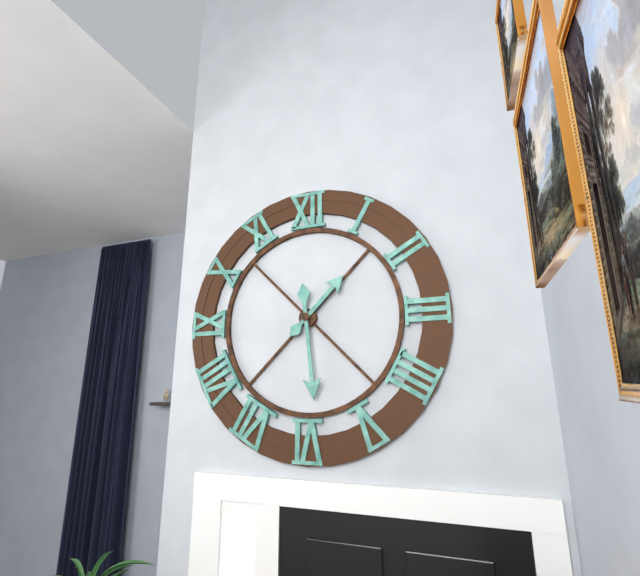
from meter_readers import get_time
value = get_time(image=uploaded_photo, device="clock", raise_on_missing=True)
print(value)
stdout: 1:29
